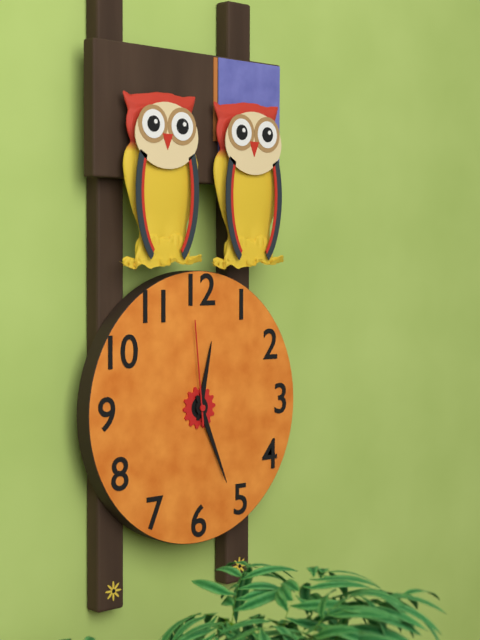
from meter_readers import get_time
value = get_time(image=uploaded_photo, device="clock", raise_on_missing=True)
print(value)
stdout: 12:26:59
